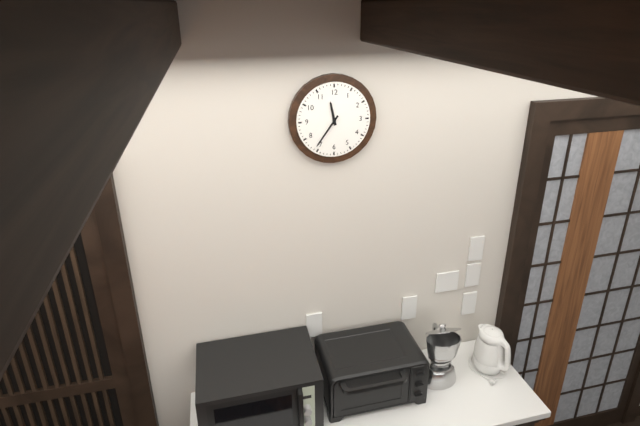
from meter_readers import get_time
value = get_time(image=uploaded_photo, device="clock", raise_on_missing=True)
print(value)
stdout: 11:36
